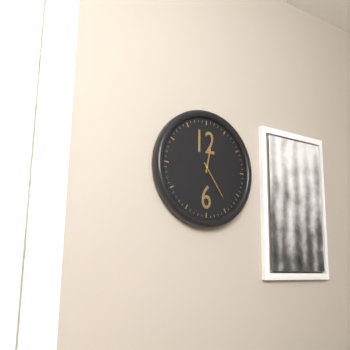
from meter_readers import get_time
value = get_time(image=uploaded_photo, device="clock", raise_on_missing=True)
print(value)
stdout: 12:24
